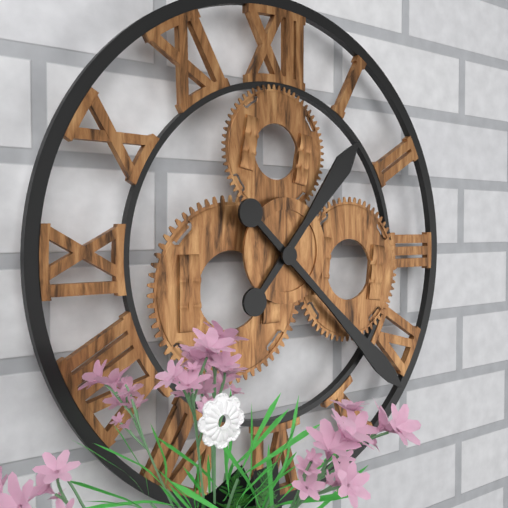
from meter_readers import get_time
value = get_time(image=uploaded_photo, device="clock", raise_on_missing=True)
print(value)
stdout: 1:22
